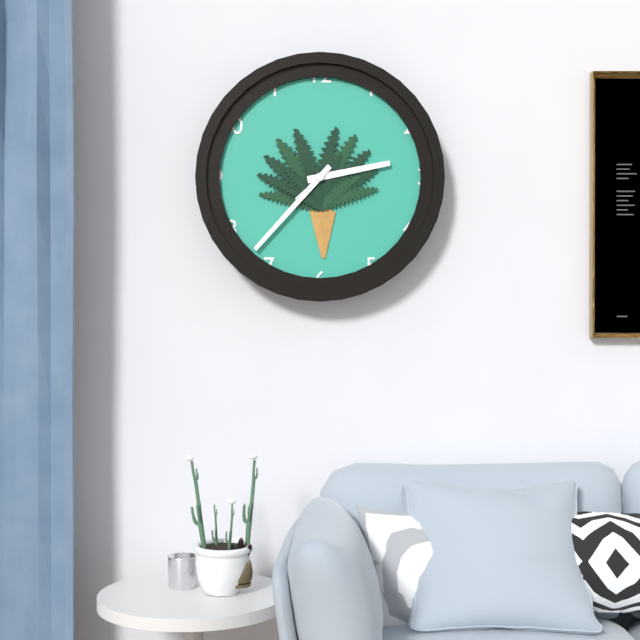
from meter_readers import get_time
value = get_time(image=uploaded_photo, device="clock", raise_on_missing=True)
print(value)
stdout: 2:37
